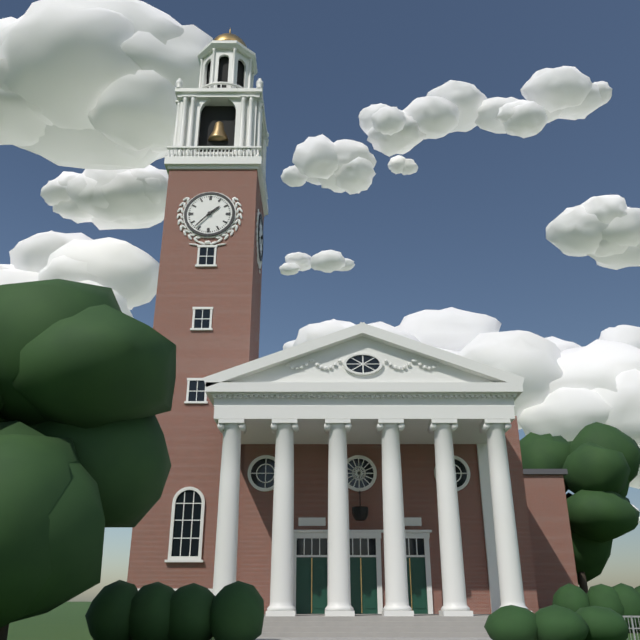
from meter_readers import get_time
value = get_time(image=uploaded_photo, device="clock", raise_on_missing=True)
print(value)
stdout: 1:37
